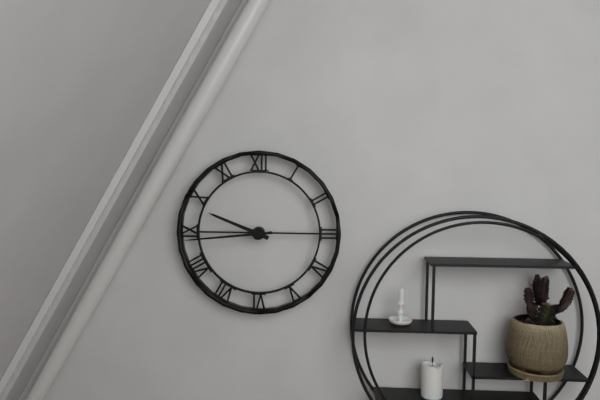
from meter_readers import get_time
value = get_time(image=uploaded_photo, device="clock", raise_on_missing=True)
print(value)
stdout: 9:44
